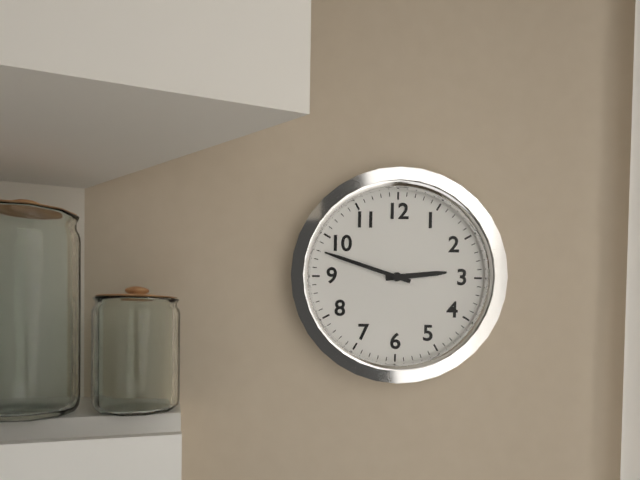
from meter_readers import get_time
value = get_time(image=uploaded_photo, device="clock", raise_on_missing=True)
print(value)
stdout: 2:48
